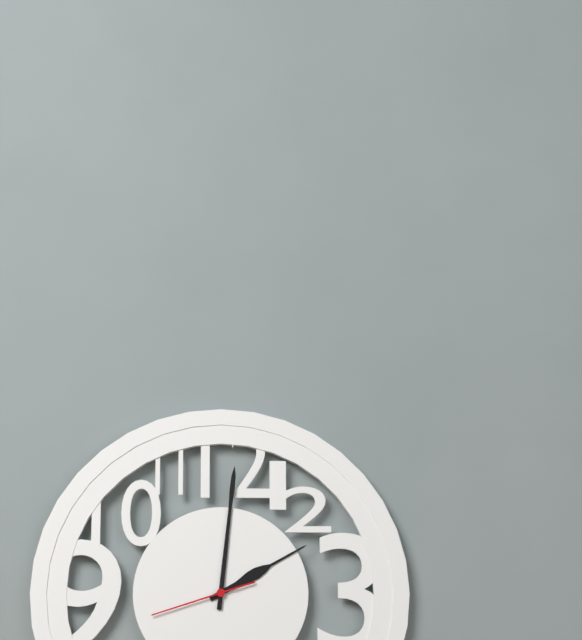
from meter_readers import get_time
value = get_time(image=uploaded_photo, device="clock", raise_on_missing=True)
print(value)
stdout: 2:01:42
